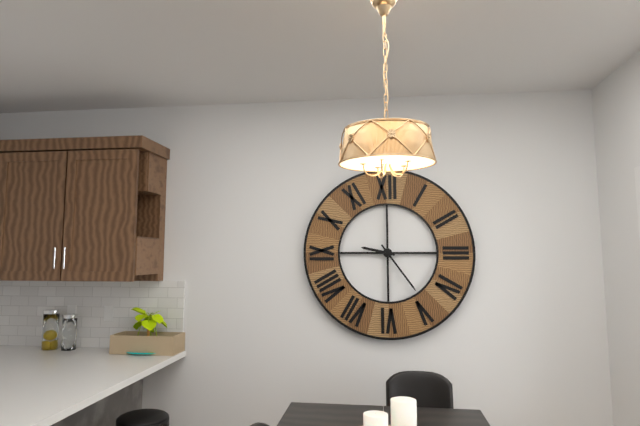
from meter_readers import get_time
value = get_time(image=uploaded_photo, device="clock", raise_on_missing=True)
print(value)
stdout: 9:24
